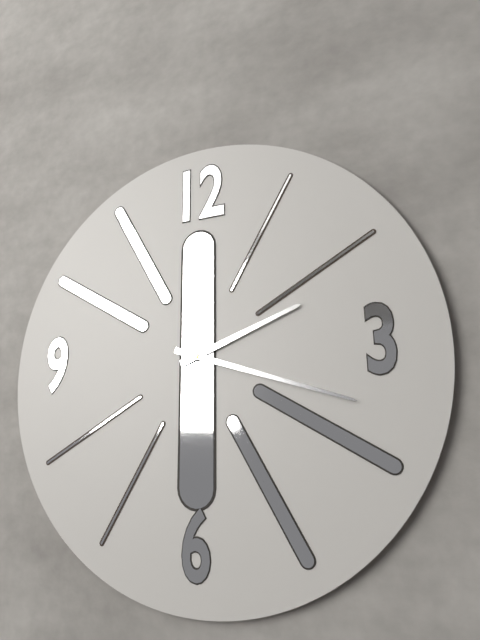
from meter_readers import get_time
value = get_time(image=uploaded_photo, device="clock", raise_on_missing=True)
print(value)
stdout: 2:18
